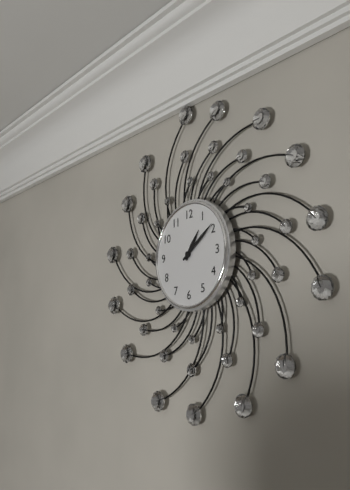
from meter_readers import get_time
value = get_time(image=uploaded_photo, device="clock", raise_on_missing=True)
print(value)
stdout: 1:09
